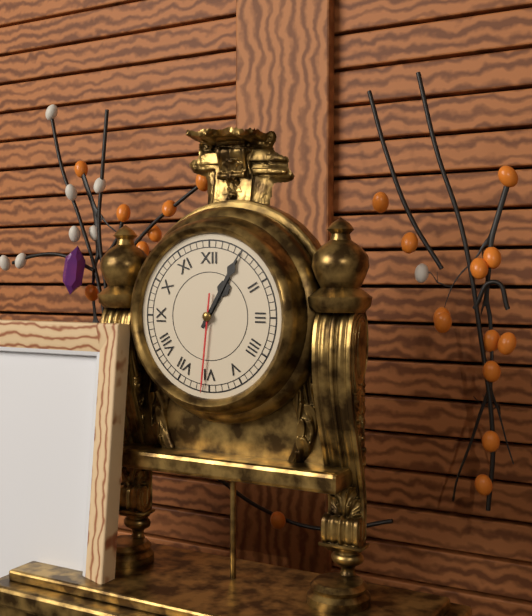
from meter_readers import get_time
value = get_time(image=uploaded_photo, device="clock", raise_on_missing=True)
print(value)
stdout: 1:05:31
